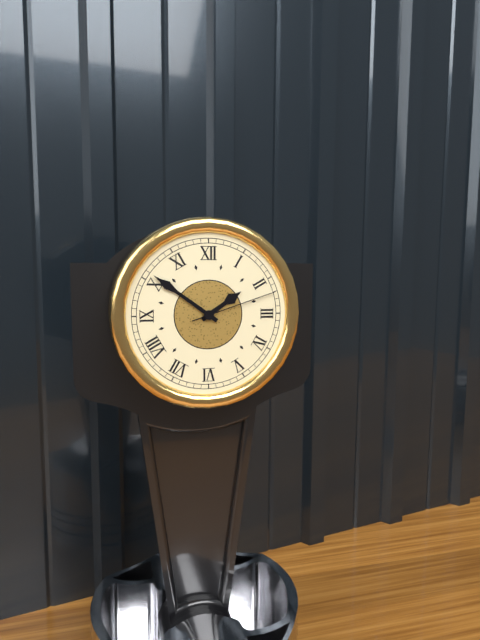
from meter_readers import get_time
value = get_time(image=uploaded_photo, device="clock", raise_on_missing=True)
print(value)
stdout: 1:51:12
